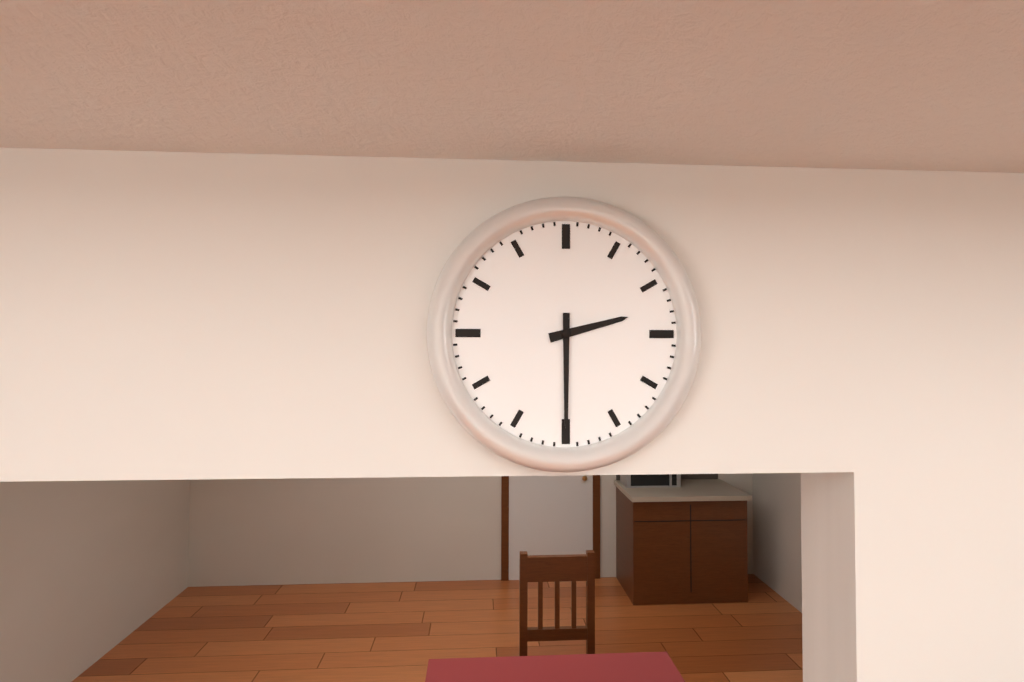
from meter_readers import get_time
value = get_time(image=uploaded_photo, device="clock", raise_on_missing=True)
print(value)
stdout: 2:30
